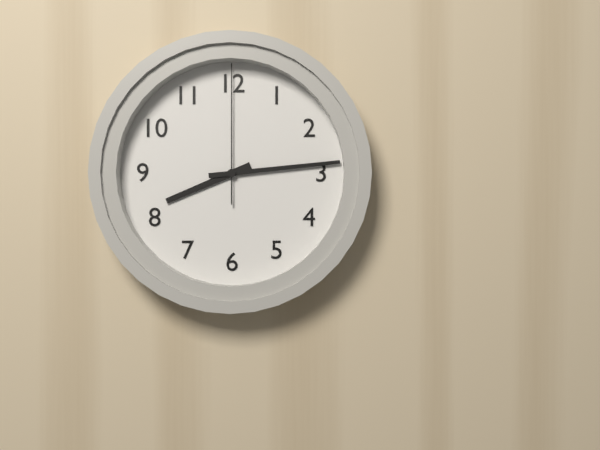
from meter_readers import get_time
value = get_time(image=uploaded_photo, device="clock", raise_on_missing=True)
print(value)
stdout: 8:14:00
